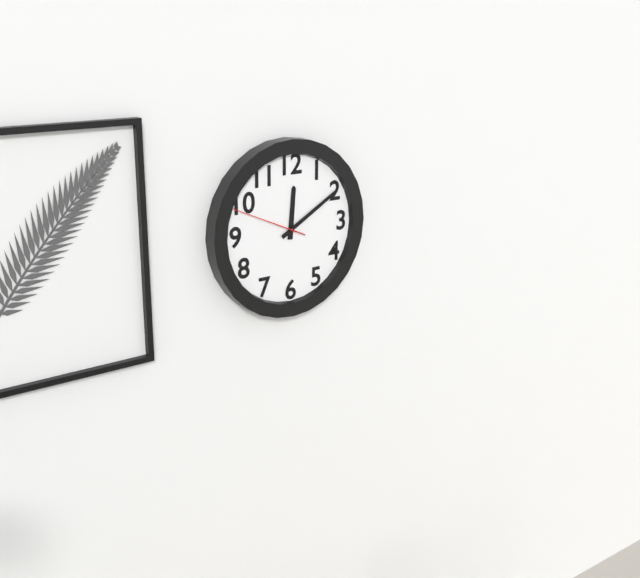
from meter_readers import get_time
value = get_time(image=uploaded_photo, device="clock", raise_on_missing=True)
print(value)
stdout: 12:10:49
